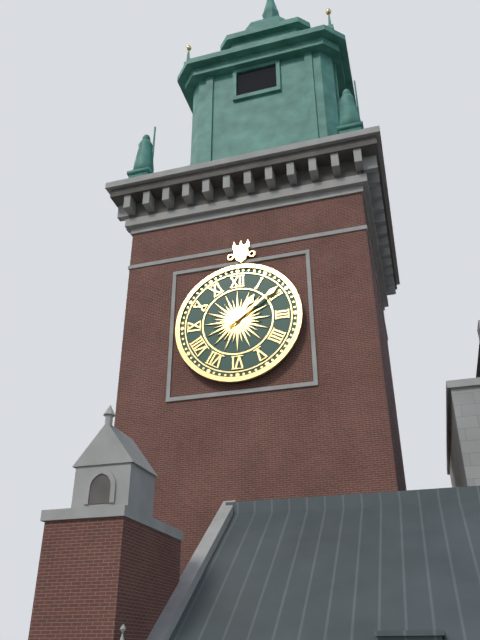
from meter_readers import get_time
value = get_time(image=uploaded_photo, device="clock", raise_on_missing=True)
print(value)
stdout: 1:09
